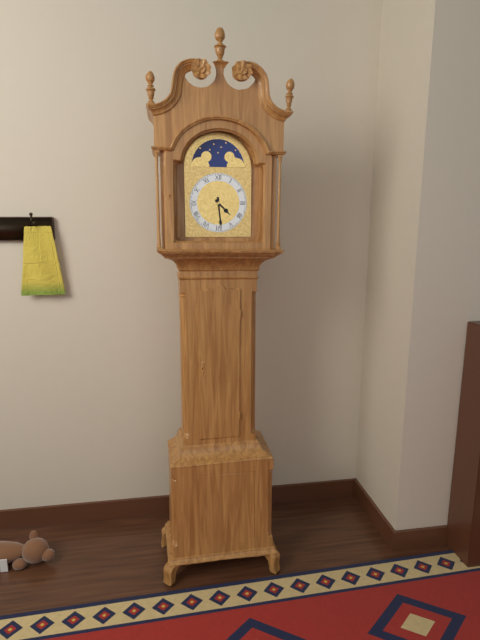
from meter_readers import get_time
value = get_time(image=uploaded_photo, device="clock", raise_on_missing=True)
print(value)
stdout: 4:29
